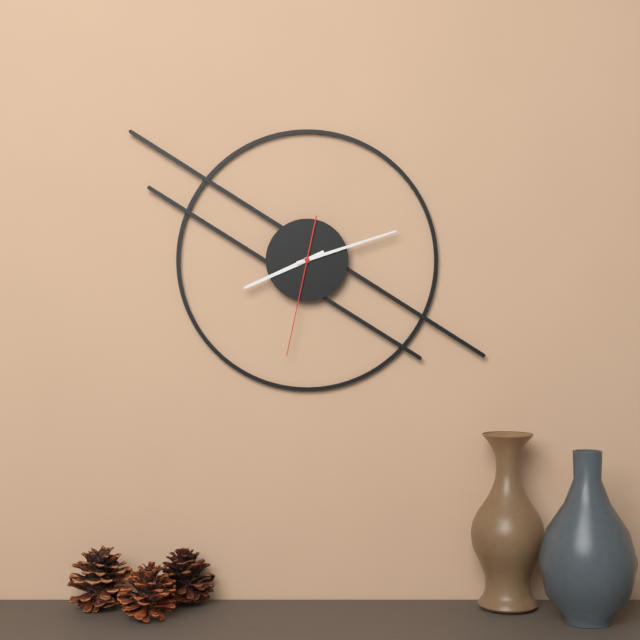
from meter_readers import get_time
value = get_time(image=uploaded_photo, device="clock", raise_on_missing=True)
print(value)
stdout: 8:12:32
